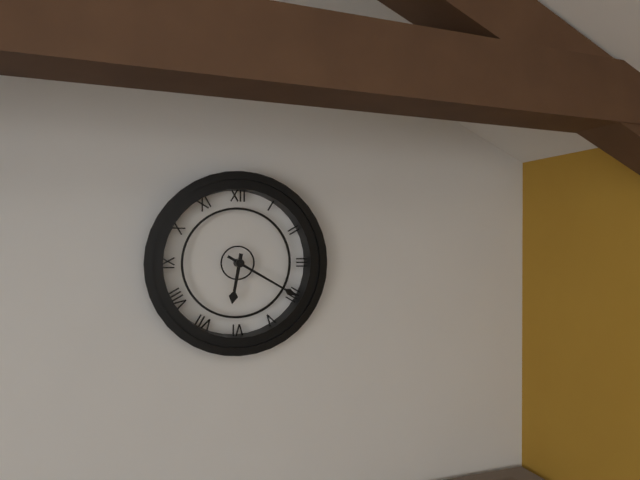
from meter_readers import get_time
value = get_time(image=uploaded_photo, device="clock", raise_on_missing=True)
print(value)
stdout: 6:20
